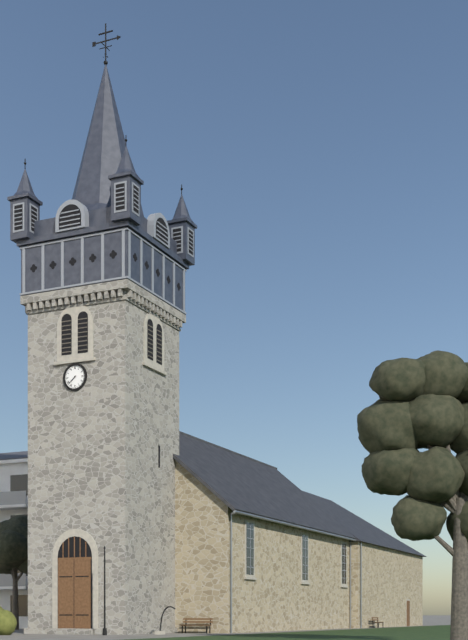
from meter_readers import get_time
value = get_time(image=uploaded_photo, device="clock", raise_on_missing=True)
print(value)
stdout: 7:38
